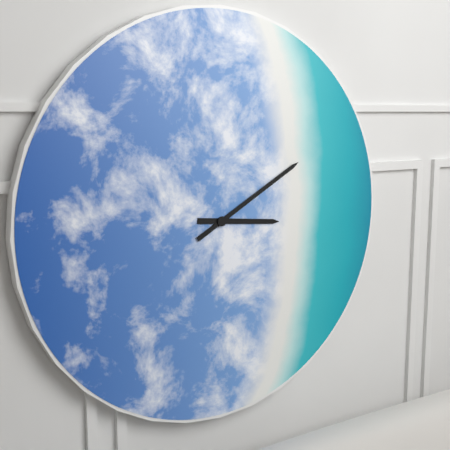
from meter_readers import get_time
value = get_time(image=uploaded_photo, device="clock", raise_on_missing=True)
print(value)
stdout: 3:10
